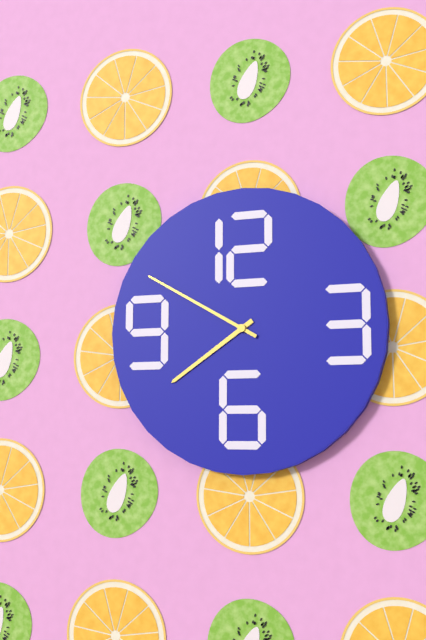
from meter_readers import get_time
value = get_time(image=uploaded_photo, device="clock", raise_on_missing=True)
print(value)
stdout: 7:50
